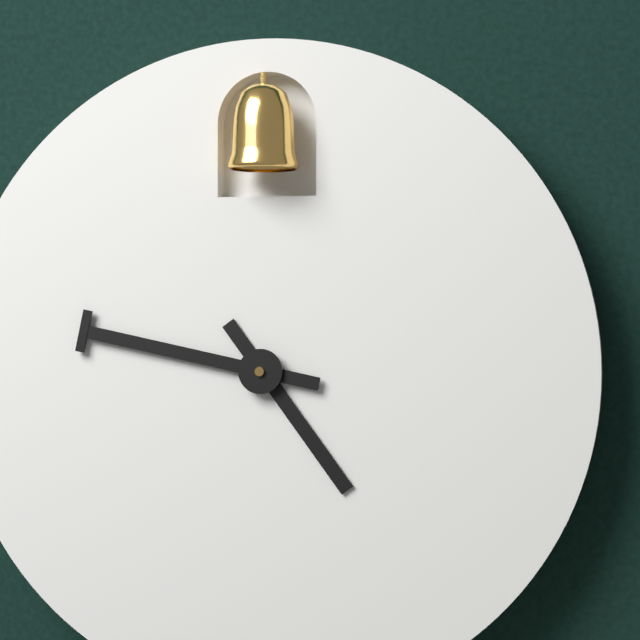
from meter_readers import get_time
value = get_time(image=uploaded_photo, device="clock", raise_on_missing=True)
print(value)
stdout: 4:47
